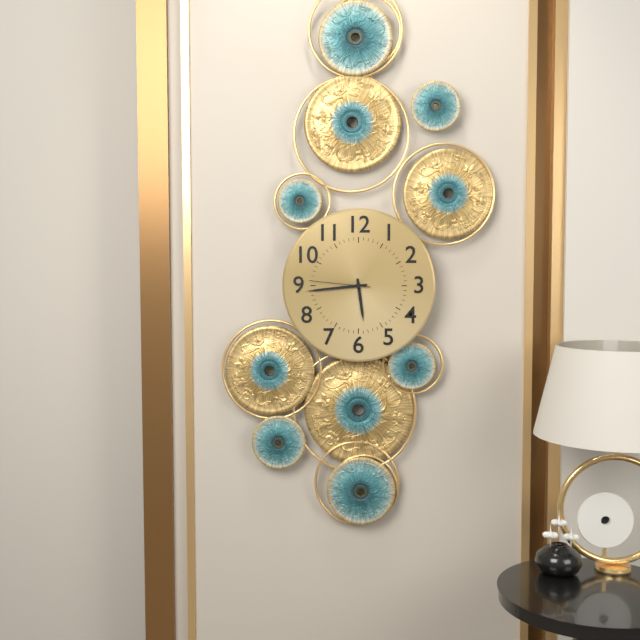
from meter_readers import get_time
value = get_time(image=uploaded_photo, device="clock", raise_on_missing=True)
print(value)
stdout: 5:44:46
